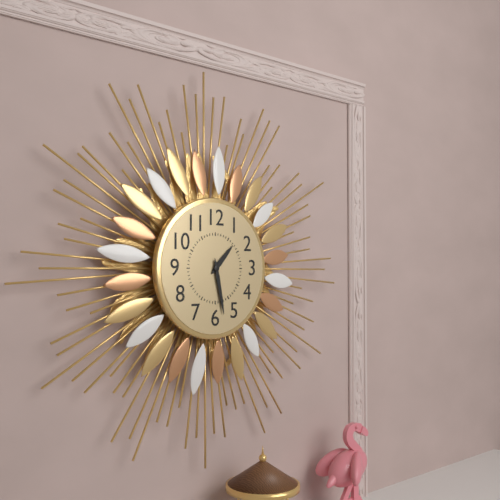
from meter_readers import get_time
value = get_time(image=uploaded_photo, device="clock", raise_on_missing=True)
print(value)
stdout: 1:28
